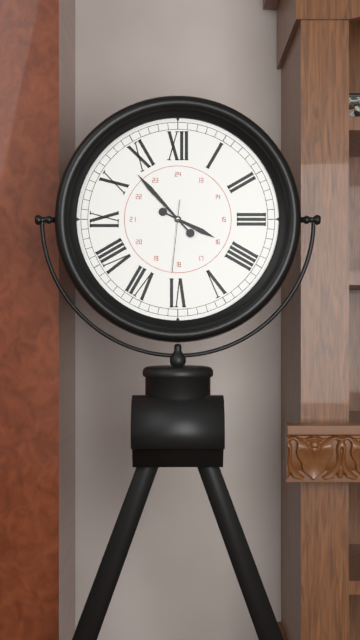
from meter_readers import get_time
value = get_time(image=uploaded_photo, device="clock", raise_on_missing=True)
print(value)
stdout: 3:53:31
